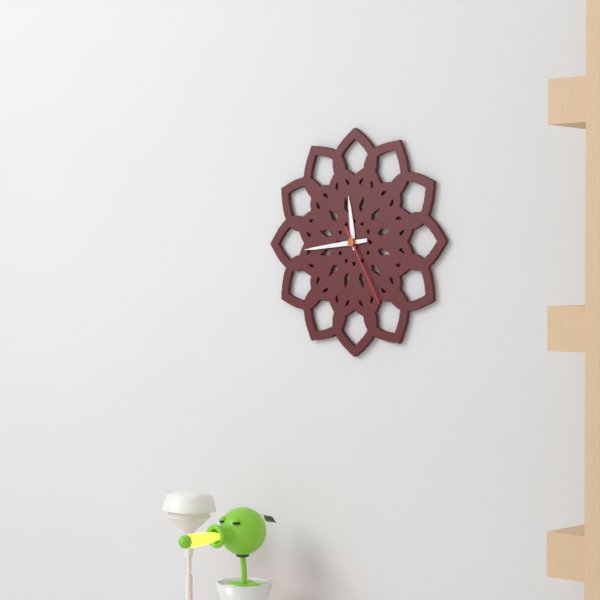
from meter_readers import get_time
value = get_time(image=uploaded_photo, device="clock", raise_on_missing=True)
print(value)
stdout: 11:44:25
